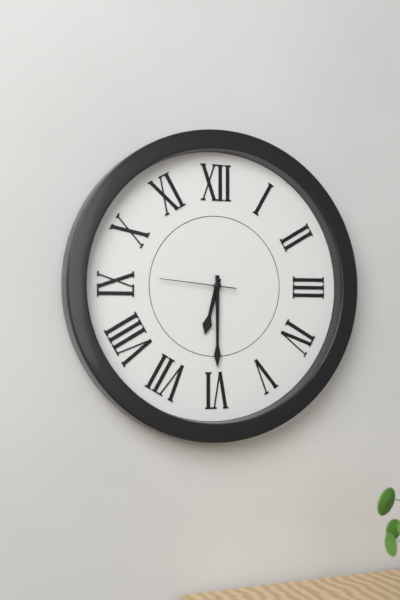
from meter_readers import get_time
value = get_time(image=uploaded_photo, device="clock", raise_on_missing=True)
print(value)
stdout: 6:30:46
